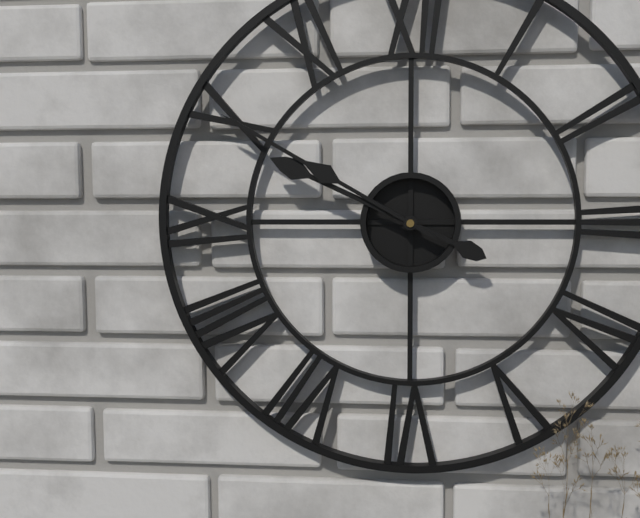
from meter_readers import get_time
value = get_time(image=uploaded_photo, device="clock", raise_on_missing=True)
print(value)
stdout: 9:50
